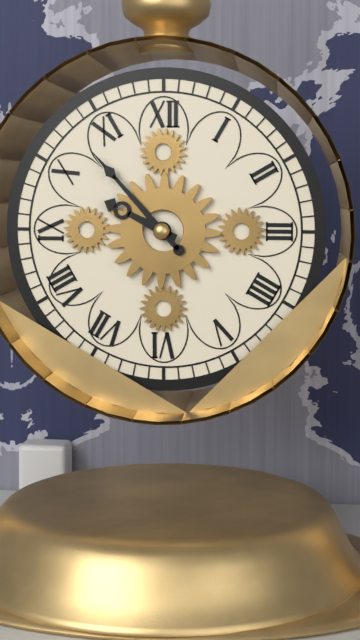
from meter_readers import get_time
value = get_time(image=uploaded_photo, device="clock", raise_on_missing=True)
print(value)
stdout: 9:53
